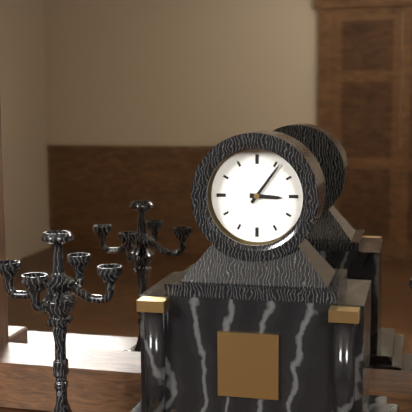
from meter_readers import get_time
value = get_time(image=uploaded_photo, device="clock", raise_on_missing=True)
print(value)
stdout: 3:06
